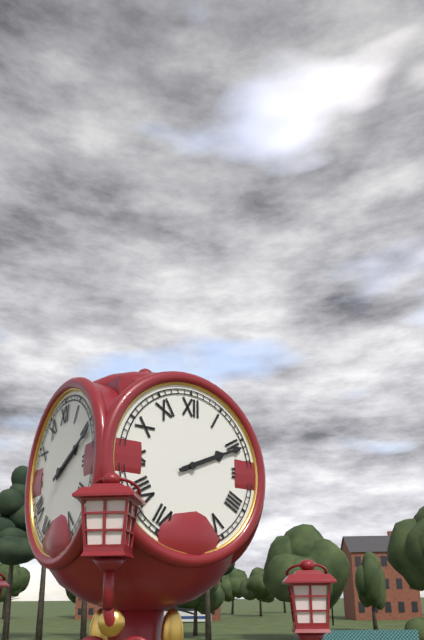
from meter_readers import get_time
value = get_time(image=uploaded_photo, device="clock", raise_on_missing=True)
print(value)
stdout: 2:11
